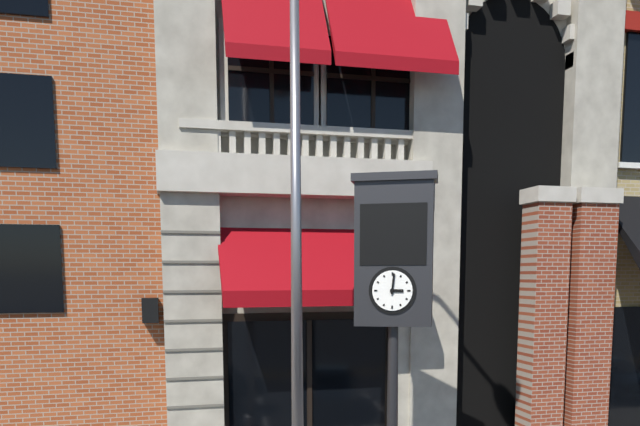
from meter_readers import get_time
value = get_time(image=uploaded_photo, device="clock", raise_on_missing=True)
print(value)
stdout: 3:01
